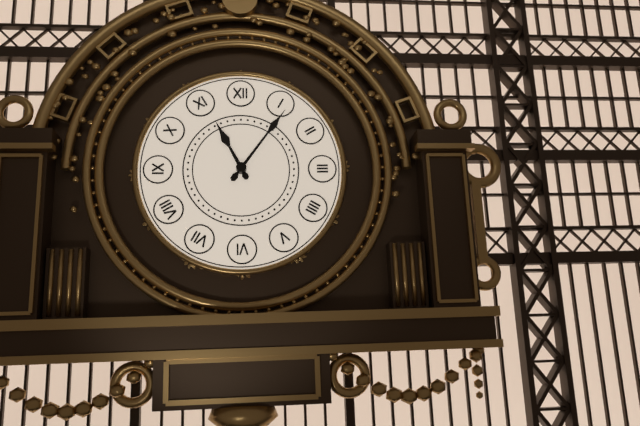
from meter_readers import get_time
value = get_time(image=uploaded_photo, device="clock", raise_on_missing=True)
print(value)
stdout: 11:06
